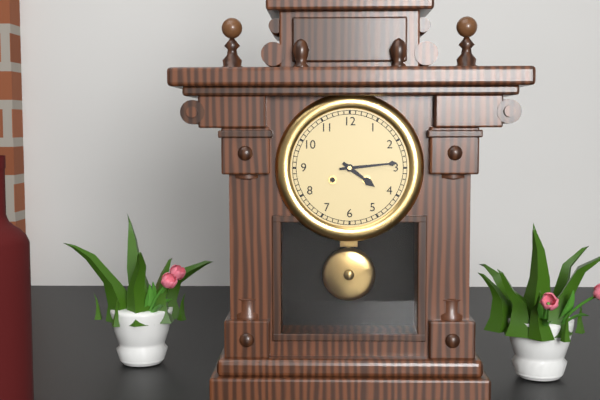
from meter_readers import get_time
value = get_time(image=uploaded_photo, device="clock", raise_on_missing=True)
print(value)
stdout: 4:14
